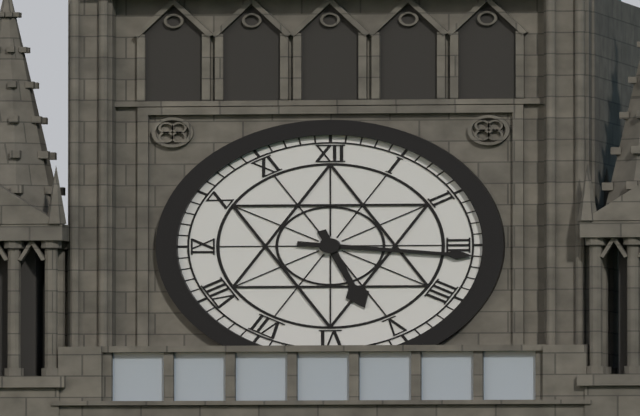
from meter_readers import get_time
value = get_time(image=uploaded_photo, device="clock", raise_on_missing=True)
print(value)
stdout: 5:16
